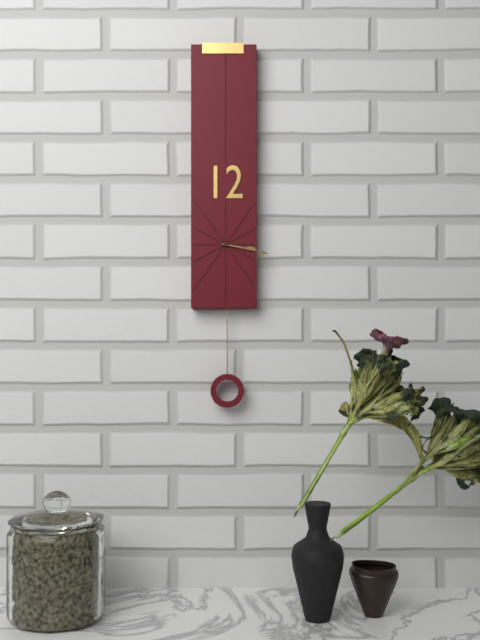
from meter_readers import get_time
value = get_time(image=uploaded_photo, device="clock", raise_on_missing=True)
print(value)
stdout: 3:17
